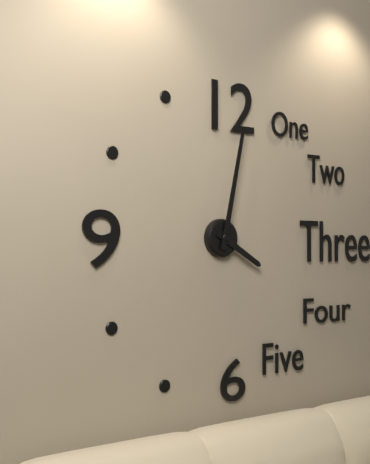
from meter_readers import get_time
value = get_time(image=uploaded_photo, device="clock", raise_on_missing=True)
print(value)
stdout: 4:02
